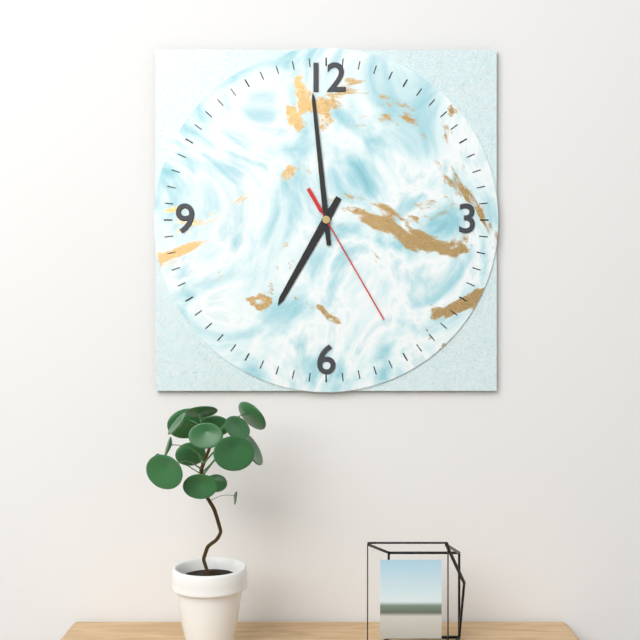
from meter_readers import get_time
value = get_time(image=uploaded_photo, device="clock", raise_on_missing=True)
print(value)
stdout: 6:59:25
